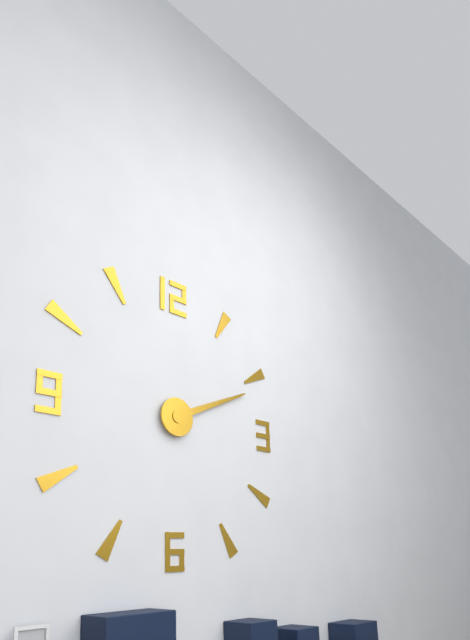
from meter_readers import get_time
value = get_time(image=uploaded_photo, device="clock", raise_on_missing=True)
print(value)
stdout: 2:11
